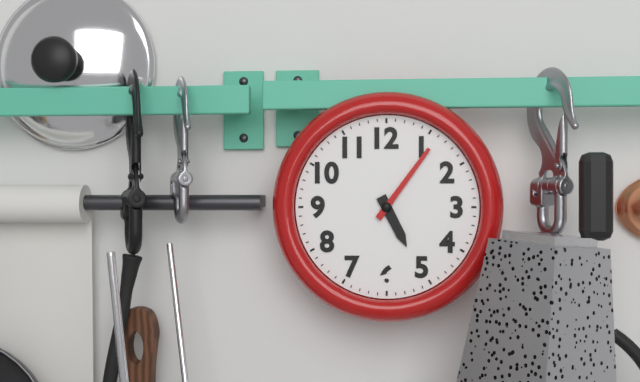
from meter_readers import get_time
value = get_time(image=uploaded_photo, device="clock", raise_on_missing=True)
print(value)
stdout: 5:06
